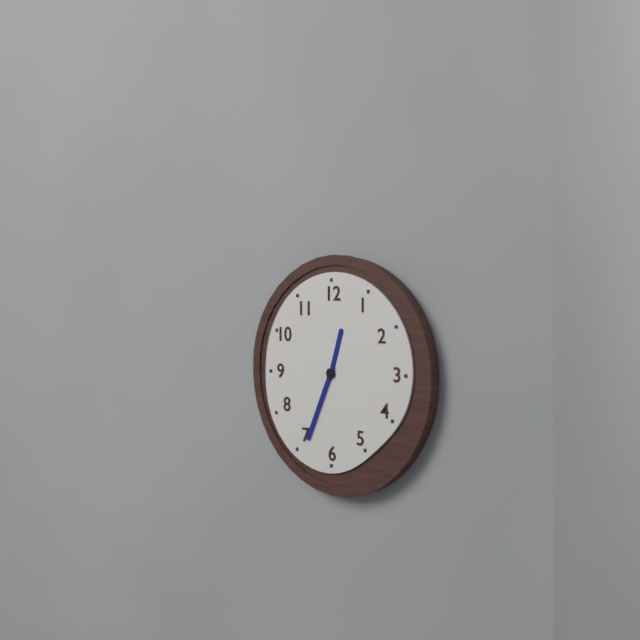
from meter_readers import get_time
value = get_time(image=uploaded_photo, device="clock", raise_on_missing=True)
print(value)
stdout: 12:34
